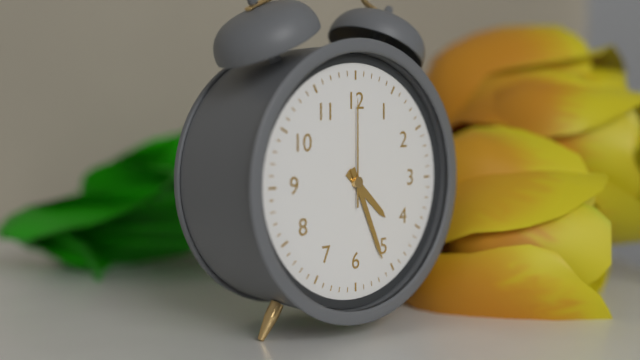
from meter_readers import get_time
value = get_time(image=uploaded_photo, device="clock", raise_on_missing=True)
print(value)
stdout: 4:26:00
